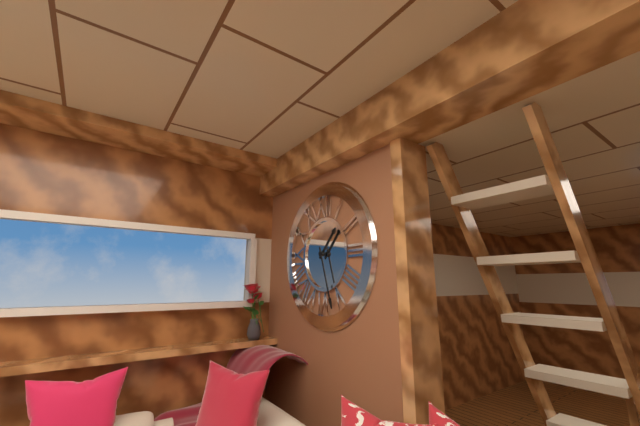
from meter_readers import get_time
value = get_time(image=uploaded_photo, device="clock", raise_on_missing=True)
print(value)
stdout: 1:27
